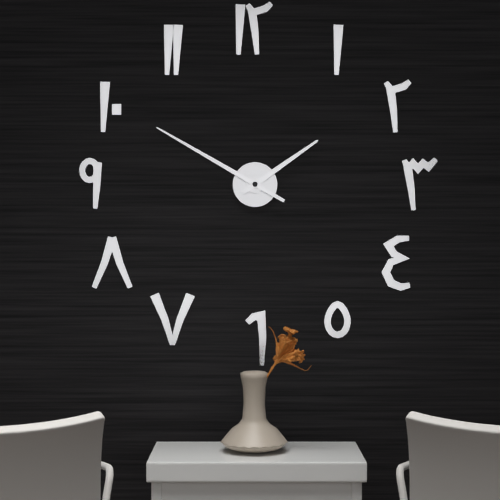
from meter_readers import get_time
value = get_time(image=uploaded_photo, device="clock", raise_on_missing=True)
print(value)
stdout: 1:50
